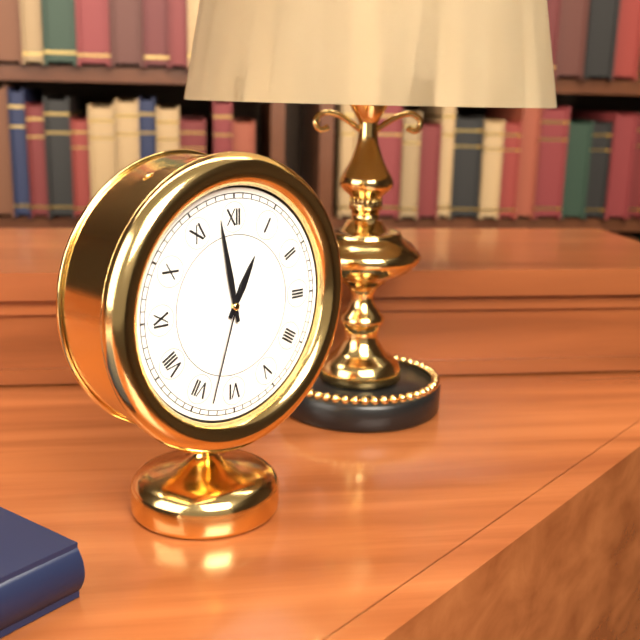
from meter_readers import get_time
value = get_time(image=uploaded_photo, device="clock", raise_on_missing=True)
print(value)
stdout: 12:58:33
